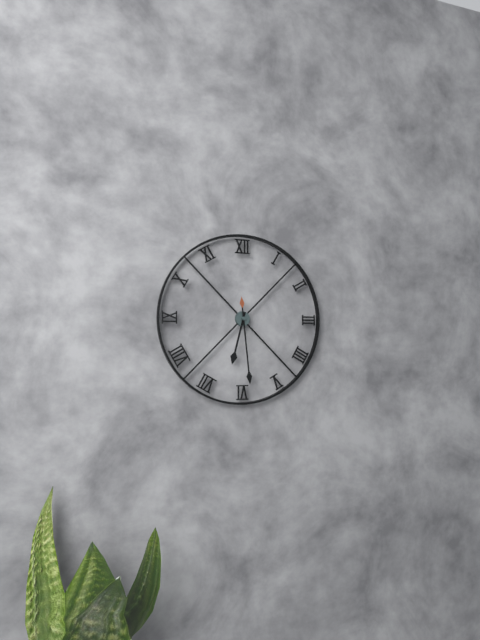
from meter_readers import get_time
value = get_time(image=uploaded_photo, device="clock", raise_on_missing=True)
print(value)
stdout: 6:29
